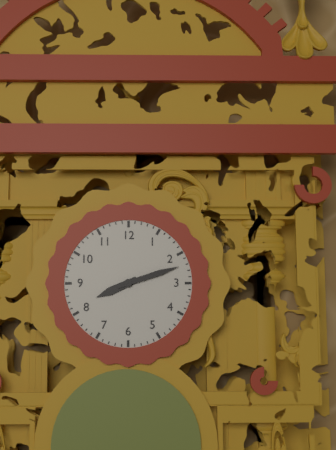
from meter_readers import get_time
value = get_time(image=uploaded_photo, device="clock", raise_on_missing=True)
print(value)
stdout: 8:12
